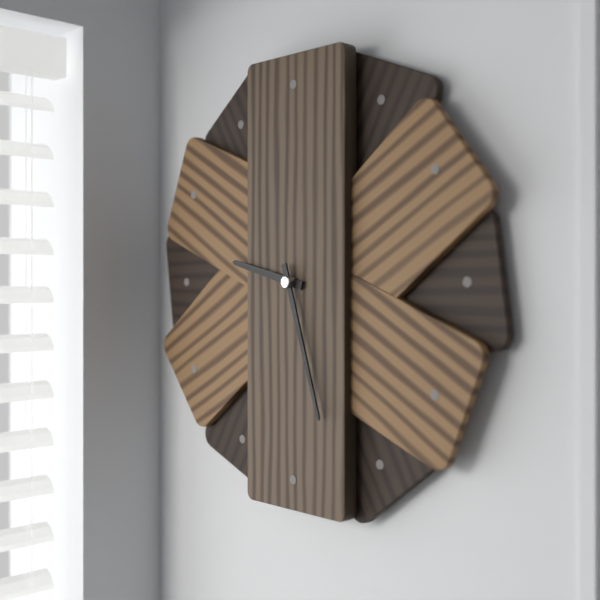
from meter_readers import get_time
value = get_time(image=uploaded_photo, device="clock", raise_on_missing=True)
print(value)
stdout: 9:27
